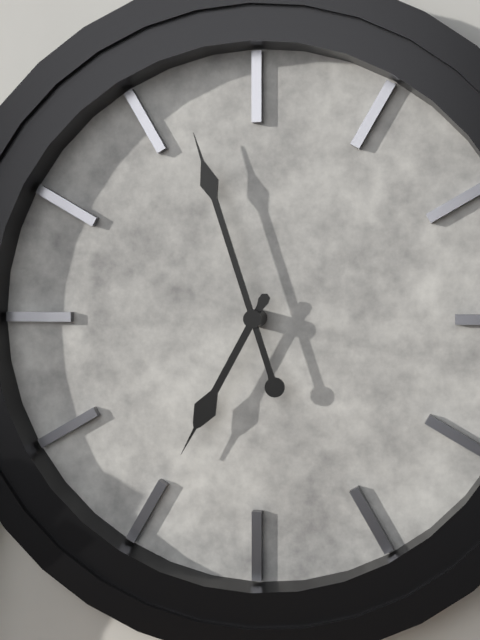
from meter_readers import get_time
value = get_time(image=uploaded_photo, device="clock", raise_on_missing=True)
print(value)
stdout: 6:57
